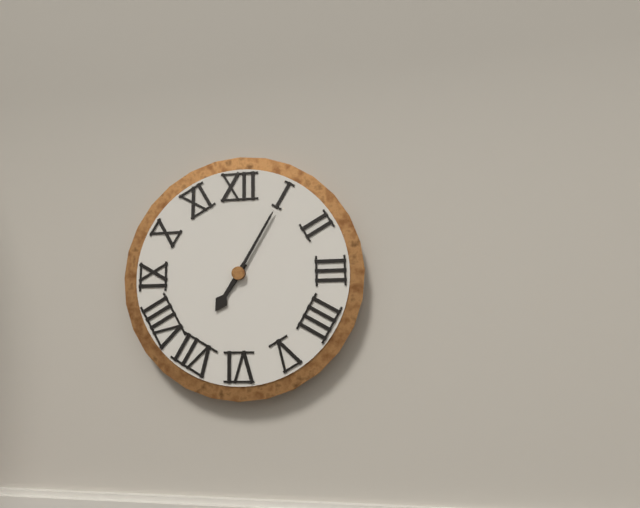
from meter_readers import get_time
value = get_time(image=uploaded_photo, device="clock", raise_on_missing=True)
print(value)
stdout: 7:05
